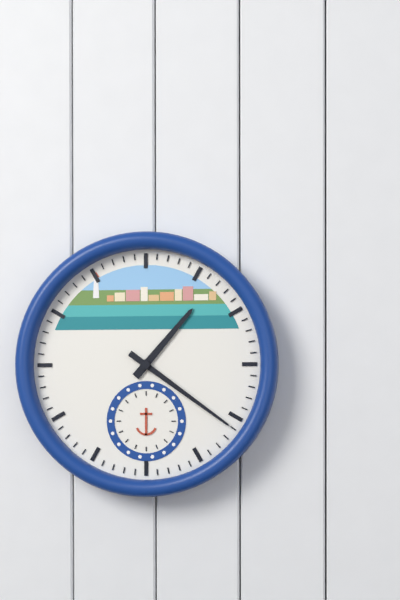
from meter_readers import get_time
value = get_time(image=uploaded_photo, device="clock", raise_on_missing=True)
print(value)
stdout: 1:21
